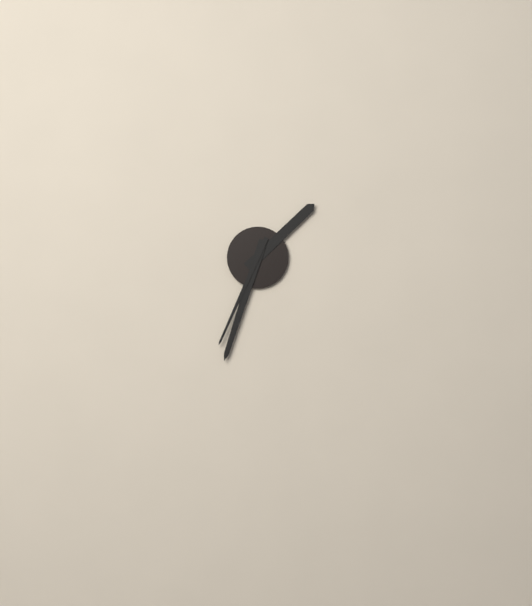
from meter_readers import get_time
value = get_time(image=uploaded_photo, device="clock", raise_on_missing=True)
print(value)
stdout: 1:33:34
